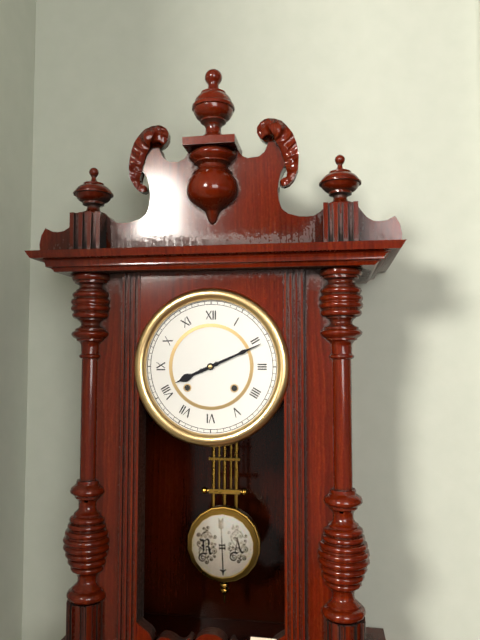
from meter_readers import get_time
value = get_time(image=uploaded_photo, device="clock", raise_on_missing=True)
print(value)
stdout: 8:11
